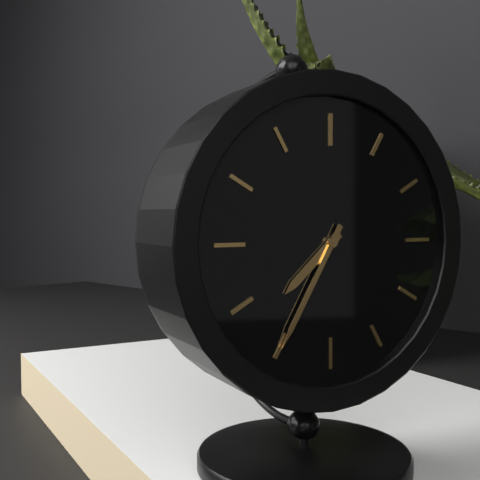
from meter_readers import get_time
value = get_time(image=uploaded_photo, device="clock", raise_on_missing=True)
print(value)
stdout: 7:35
